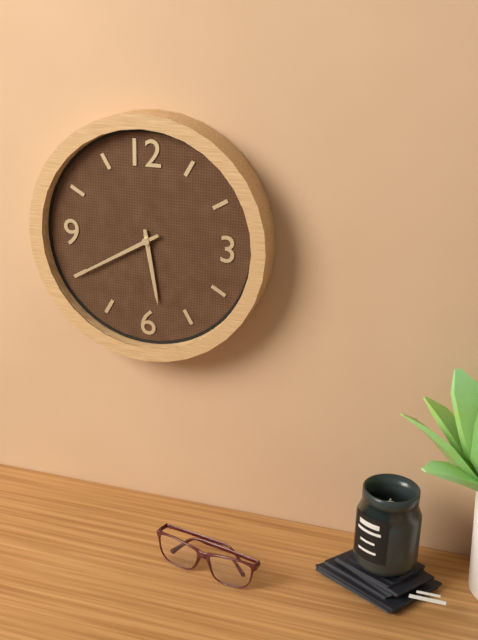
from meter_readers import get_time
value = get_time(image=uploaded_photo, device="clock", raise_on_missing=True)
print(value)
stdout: 5:40
